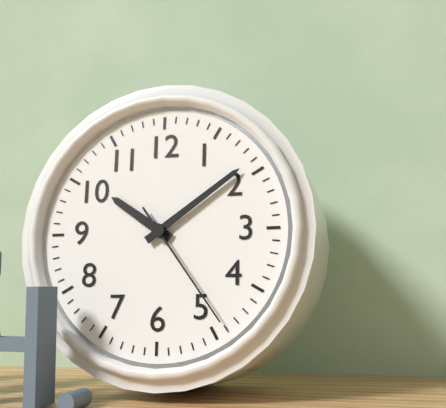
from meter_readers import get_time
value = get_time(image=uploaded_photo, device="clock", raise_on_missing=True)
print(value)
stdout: 10:09:24
